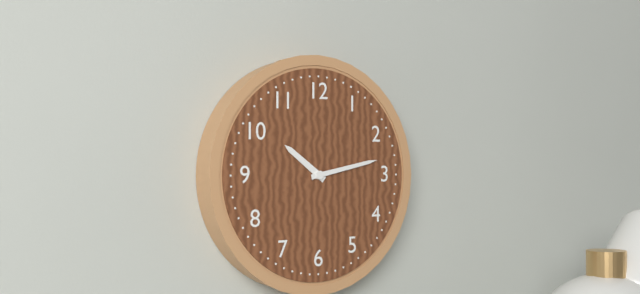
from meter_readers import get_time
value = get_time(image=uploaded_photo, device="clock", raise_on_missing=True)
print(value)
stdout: 10:13
